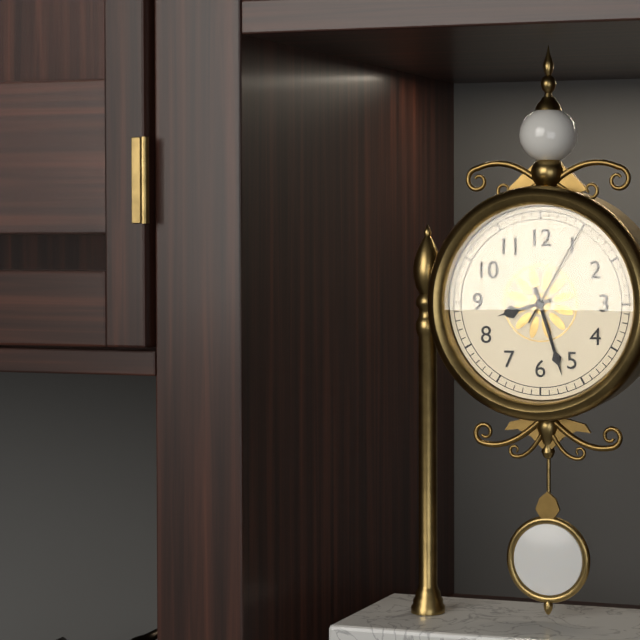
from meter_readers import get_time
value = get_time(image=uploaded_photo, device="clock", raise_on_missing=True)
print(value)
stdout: 8:27:05
